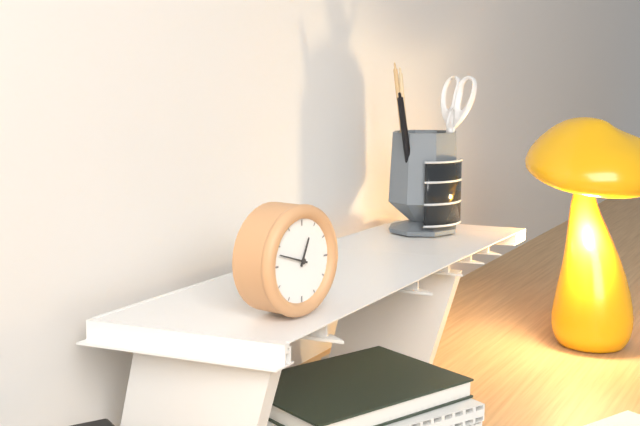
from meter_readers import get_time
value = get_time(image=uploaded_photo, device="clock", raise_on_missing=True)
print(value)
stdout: 12:48
